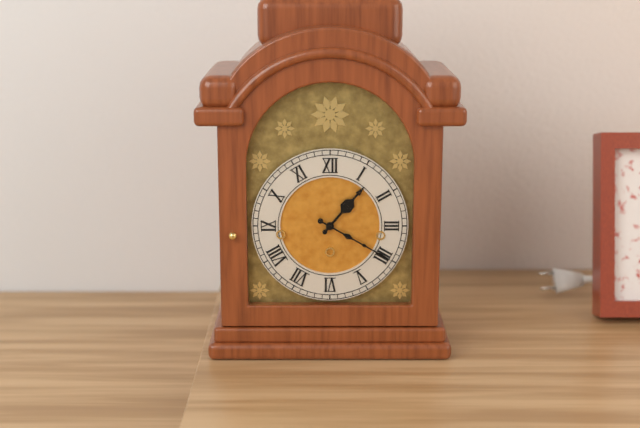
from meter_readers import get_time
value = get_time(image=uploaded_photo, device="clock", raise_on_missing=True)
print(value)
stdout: 1:20
